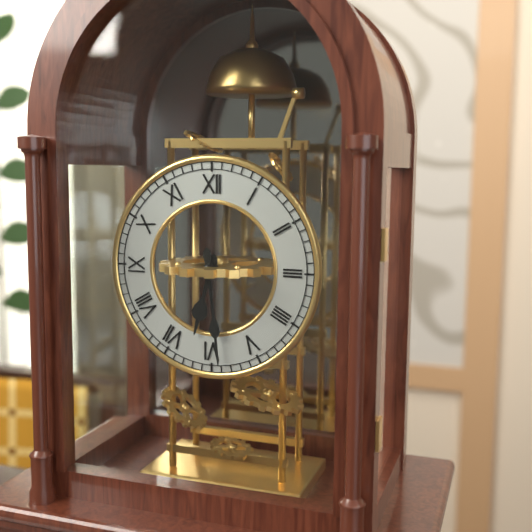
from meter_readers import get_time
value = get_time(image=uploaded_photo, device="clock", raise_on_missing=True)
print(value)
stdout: 6:29
